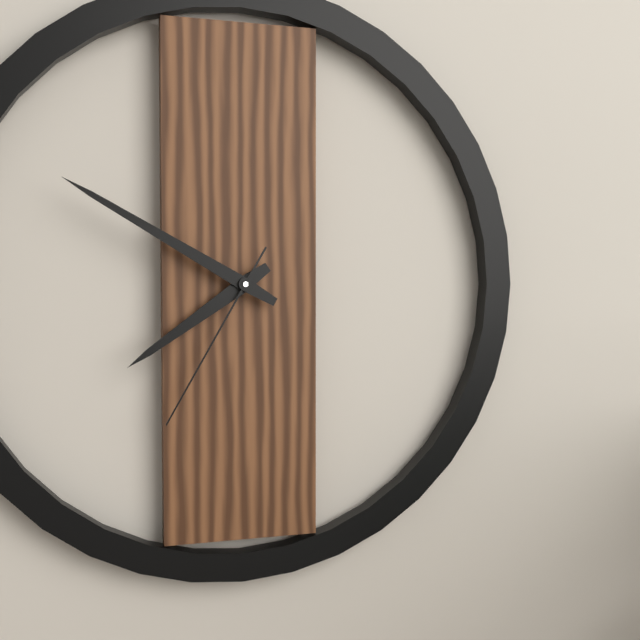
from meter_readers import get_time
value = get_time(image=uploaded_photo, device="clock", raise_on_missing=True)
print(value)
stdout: 7:50:35
